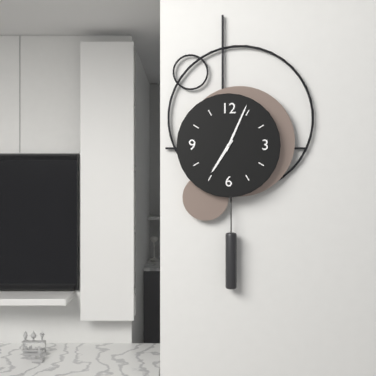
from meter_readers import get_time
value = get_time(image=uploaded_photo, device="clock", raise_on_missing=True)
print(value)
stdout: 7:04
